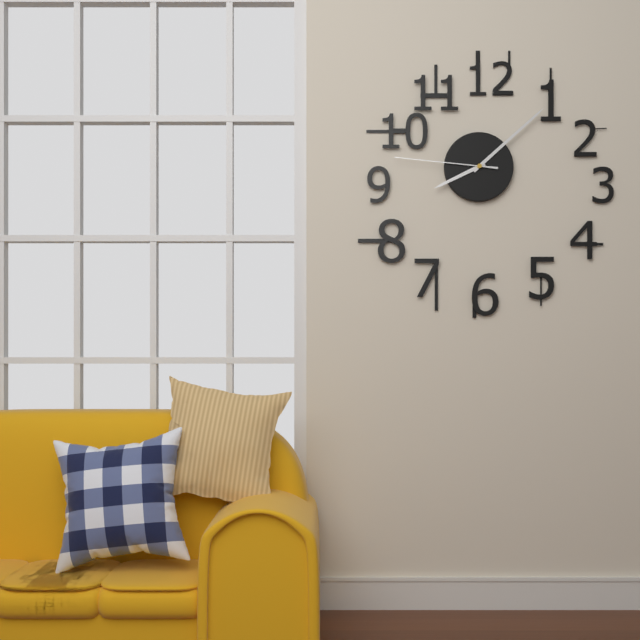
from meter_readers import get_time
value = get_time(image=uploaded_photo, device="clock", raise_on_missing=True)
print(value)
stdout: 8:08:46
